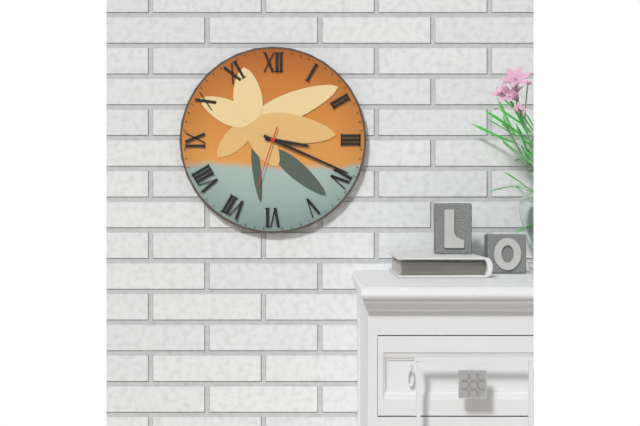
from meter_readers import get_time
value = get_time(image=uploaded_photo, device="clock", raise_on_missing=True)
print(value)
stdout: 3:19:33
